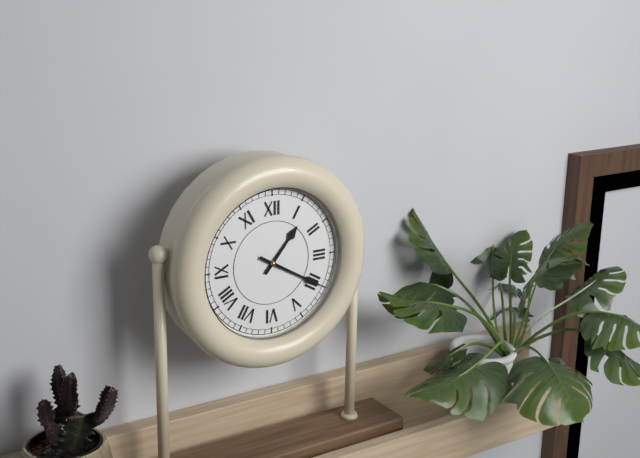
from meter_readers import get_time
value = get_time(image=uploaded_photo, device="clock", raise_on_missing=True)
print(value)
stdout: 1:20
